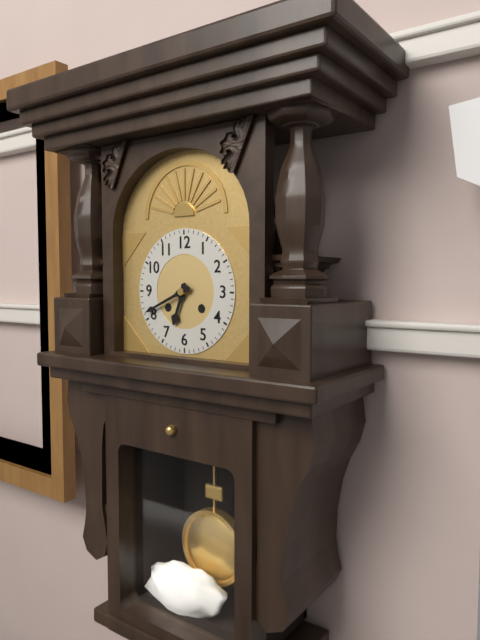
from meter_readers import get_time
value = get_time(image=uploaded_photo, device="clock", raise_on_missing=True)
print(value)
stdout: 6:41
